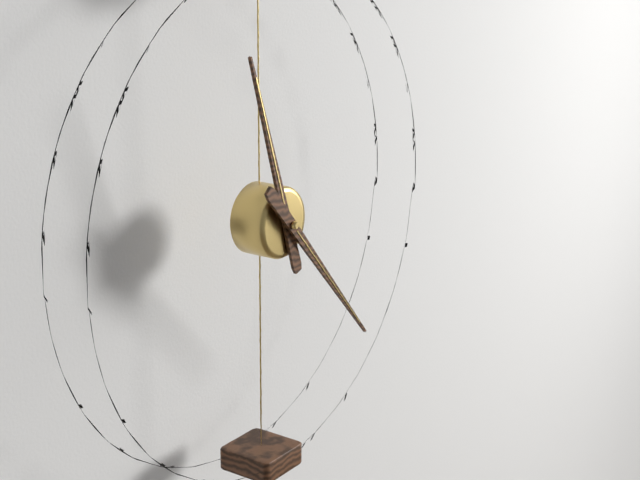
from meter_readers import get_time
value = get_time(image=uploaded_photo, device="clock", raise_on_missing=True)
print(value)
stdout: 11:23
